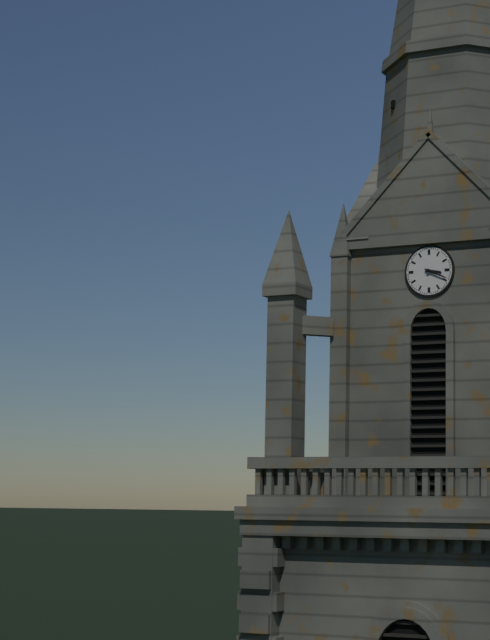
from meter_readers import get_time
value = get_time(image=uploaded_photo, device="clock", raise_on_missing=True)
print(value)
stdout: 3:19
